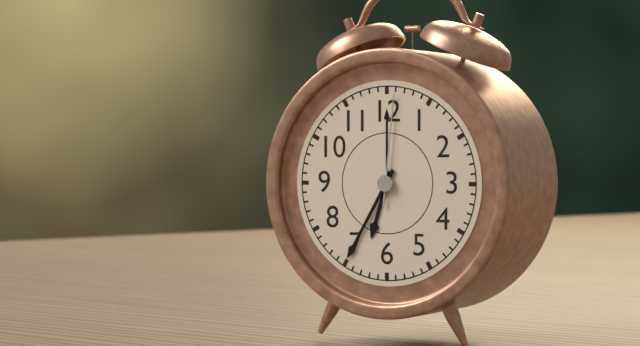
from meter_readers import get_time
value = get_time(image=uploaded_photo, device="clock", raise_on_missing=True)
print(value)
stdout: 6:35:01
